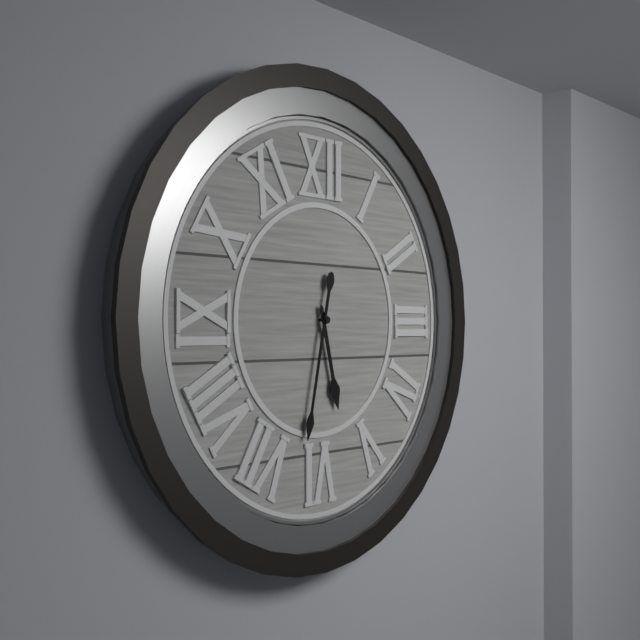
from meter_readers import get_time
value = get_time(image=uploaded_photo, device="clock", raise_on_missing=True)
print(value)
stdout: 5:32
